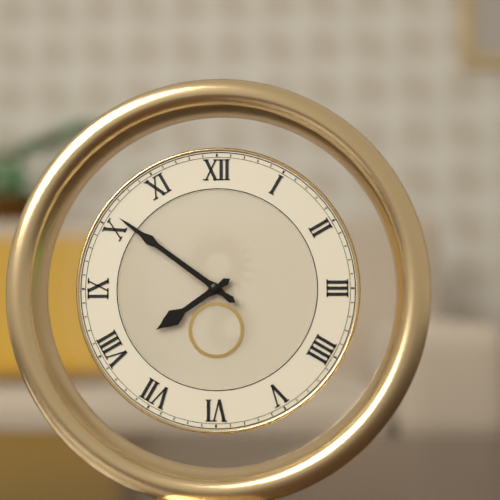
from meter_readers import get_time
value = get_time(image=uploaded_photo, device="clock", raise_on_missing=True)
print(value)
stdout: 7:51
